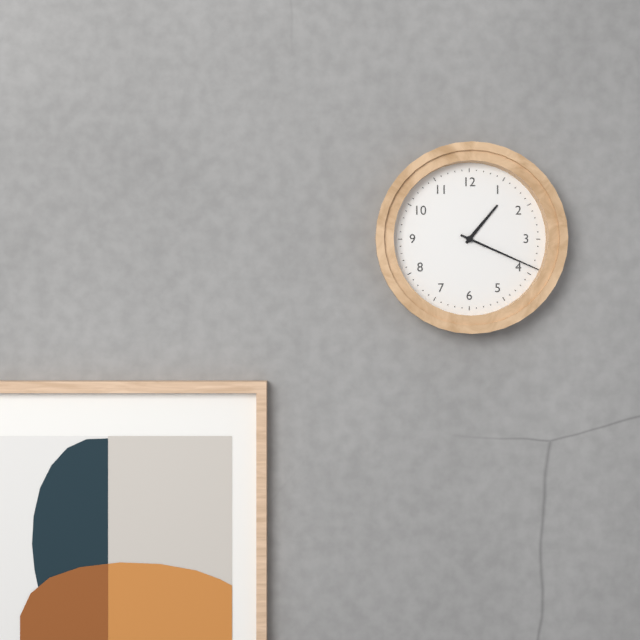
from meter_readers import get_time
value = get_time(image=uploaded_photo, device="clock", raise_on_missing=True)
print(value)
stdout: 1:19
